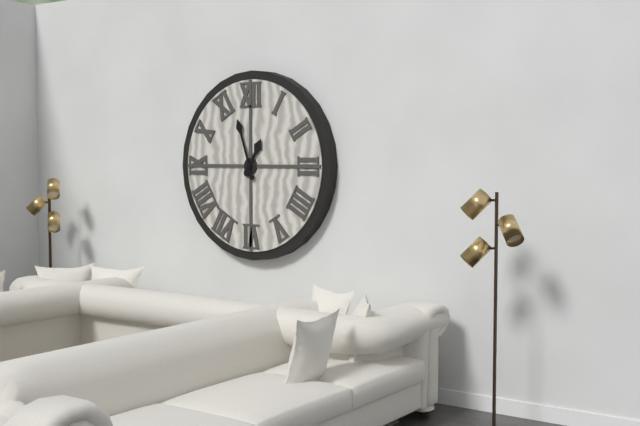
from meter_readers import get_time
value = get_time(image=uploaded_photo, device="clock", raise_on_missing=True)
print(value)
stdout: 12:57
